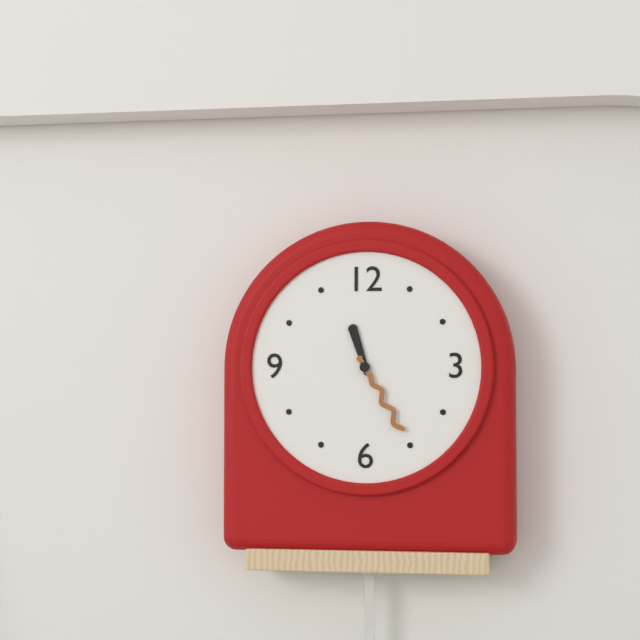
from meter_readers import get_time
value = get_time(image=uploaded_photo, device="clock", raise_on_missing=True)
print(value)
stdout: 11:25
